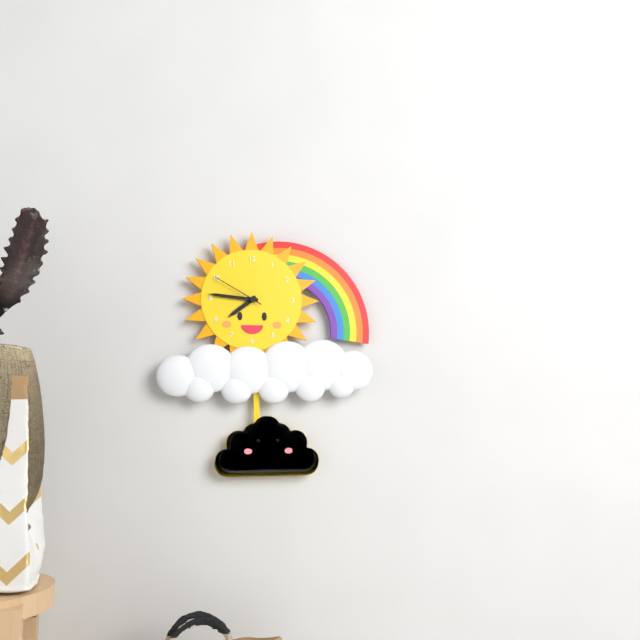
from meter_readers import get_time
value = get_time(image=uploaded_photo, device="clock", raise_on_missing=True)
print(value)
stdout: 7:46:50
